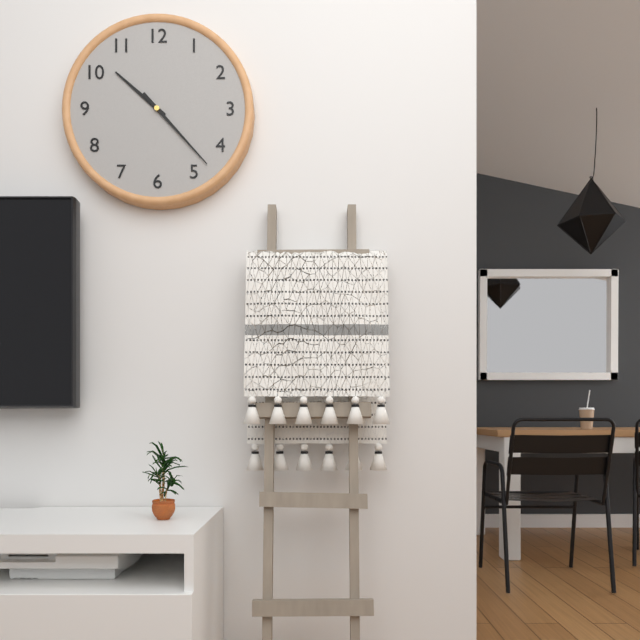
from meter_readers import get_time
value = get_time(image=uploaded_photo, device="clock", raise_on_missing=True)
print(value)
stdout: 10:23
